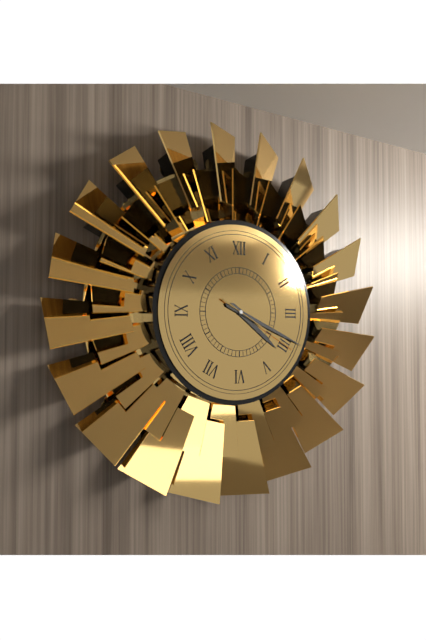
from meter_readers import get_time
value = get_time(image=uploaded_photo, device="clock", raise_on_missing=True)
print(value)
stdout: 4:19:20
